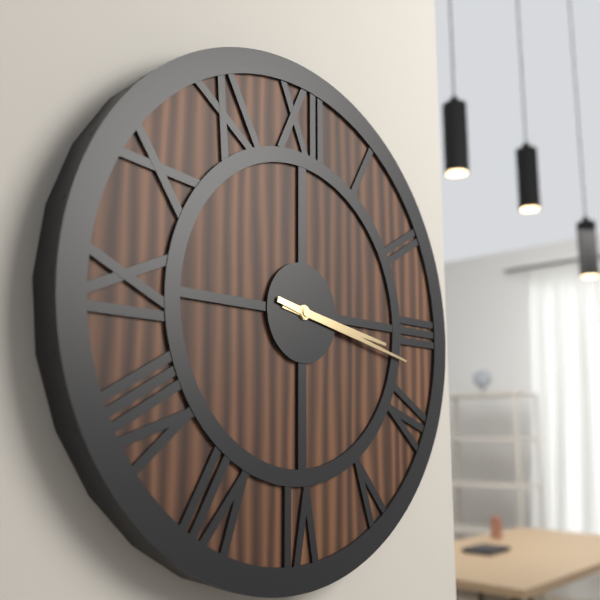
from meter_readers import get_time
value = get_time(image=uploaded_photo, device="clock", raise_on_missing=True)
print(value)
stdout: 3:17
